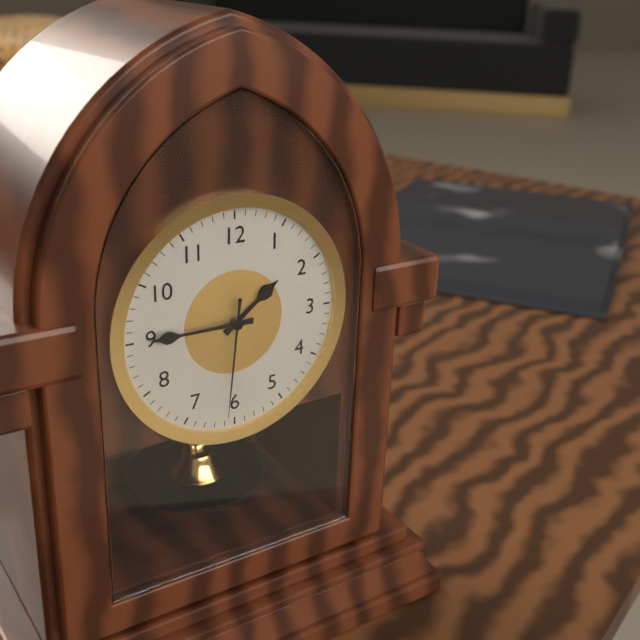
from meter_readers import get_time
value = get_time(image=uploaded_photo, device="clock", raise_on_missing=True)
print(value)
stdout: 1:45:31
